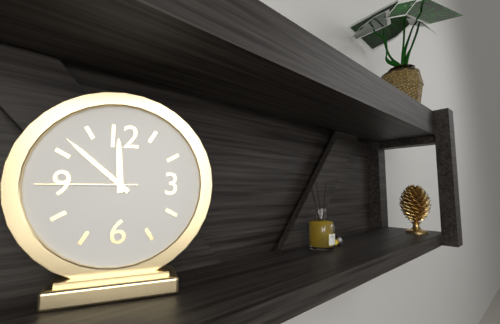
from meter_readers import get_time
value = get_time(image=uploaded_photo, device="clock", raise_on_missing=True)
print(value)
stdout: 11:52:45
